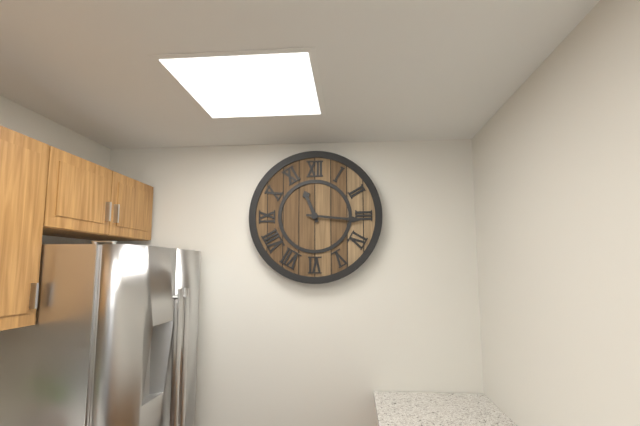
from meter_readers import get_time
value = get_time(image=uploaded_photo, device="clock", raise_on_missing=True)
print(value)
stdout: 11:16
